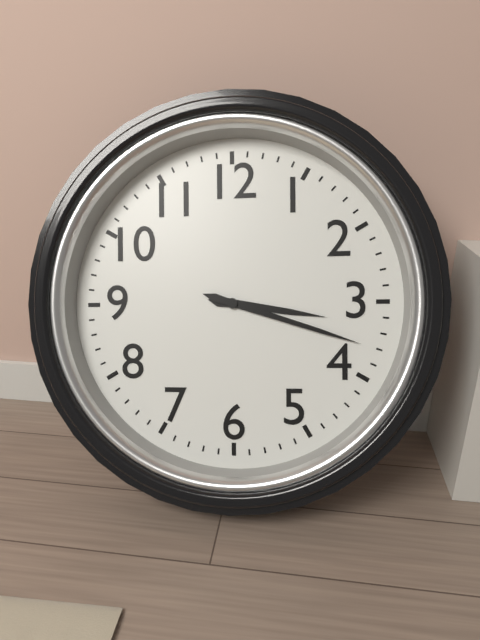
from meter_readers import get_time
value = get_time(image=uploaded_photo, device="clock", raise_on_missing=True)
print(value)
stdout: 3:18
